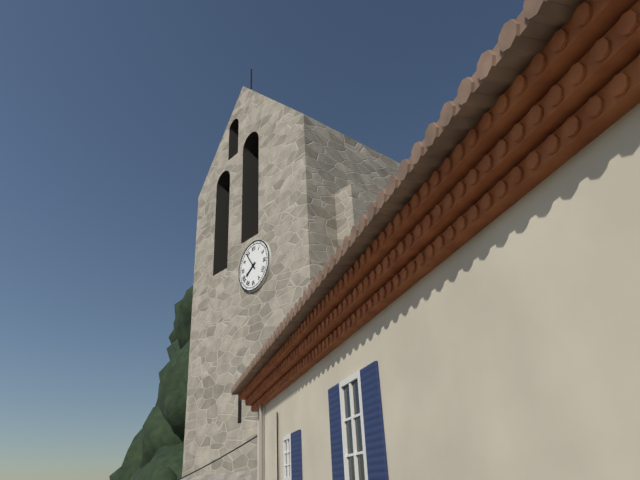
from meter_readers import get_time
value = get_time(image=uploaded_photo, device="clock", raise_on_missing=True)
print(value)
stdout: 7:54
